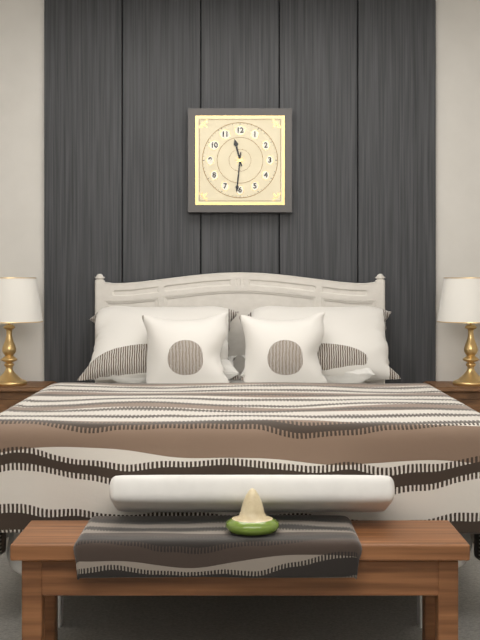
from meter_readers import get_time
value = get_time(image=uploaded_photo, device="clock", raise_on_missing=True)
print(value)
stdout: 11:31
